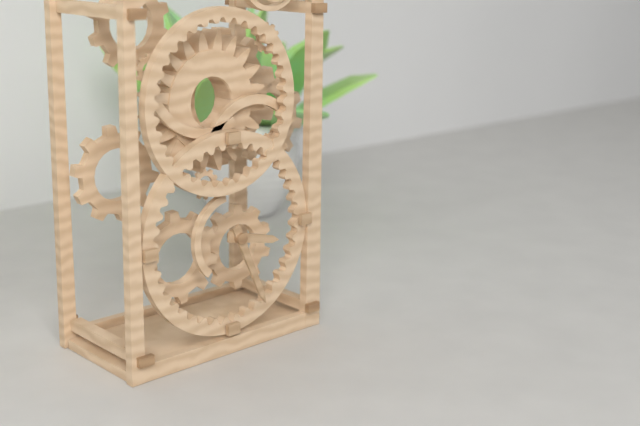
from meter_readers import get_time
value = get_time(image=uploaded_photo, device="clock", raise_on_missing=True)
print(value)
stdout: 3:26
